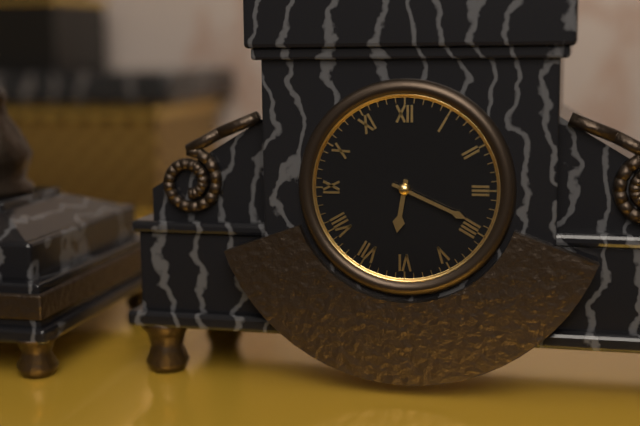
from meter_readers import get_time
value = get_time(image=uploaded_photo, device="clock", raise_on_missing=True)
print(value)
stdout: 6:19
